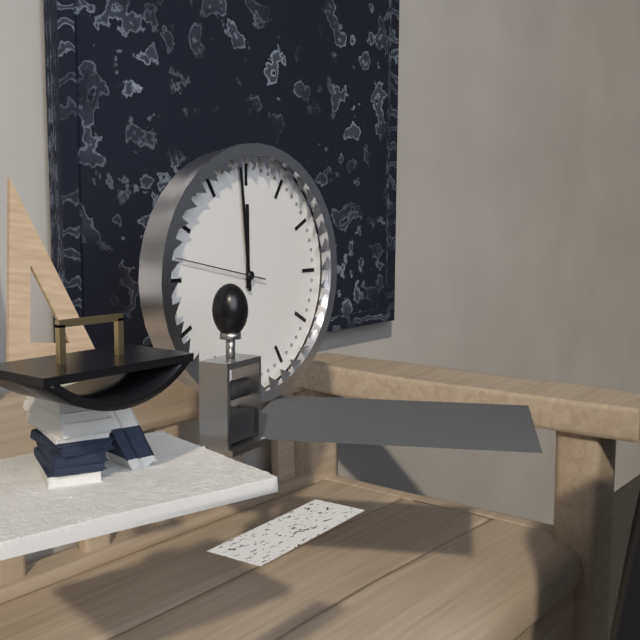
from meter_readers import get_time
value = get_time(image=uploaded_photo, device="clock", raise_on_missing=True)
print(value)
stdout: 11:59:47
